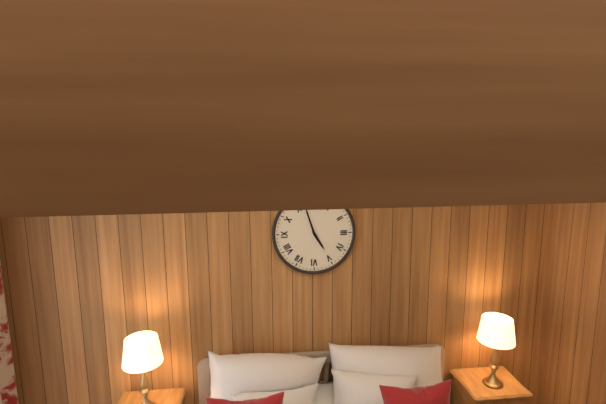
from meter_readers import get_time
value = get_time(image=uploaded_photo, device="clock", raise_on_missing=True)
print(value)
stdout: 4:57
